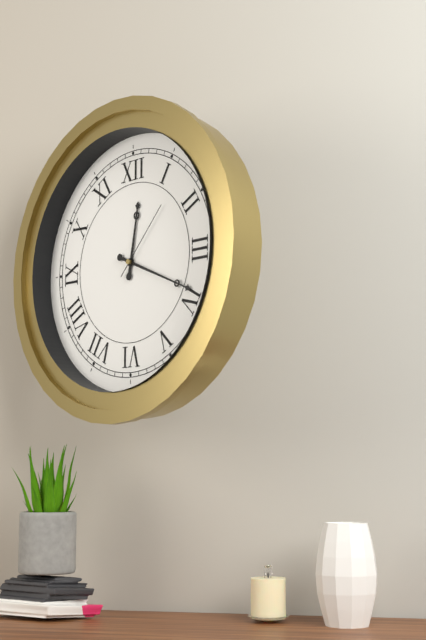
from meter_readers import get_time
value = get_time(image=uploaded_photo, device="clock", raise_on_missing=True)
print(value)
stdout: 12:19:07
